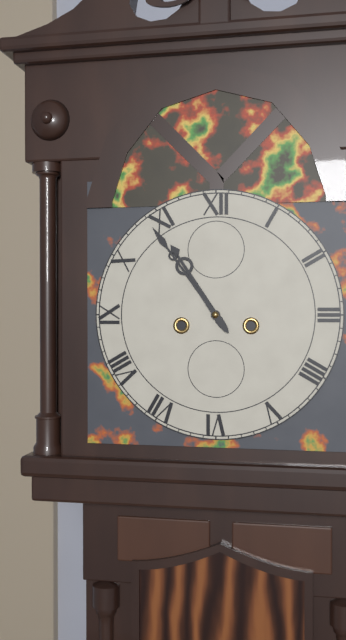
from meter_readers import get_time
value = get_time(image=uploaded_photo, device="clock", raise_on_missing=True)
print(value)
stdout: 10:54
